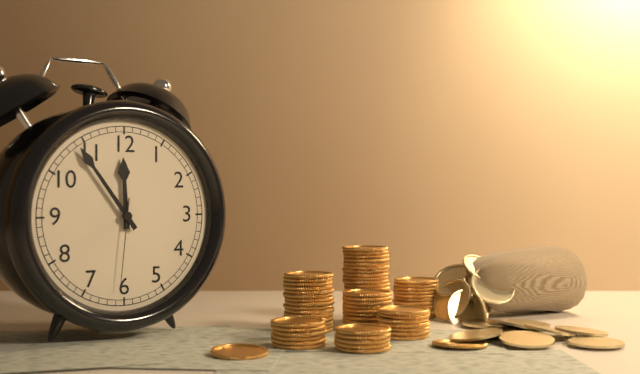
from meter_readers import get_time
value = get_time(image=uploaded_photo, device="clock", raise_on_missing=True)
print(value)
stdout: 11:54:31
